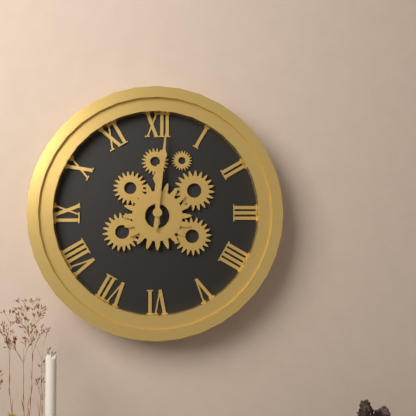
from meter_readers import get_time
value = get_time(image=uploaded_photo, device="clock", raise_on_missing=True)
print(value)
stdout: 12:01
